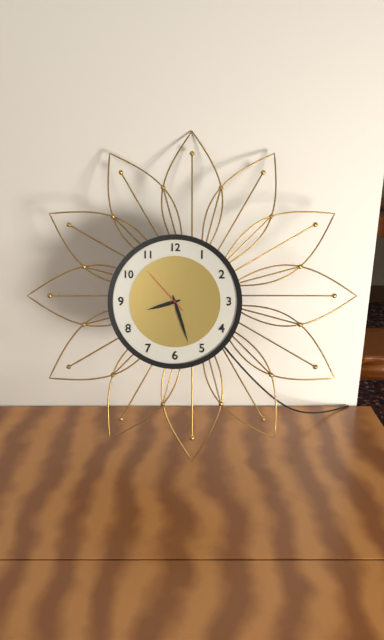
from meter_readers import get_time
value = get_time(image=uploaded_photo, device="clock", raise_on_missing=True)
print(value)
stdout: 8:27:53
